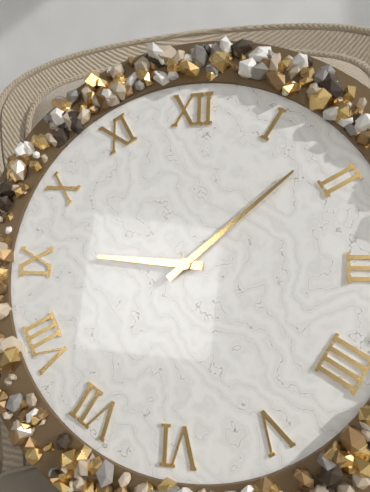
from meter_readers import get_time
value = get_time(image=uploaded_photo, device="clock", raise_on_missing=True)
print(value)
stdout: 9:08
